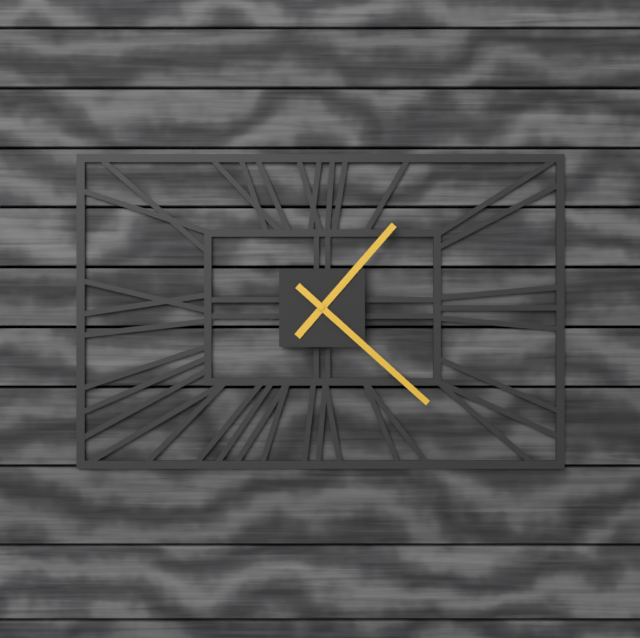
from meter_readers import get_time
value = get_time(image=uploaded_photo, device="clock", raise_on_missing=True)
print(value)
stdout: 1:22
